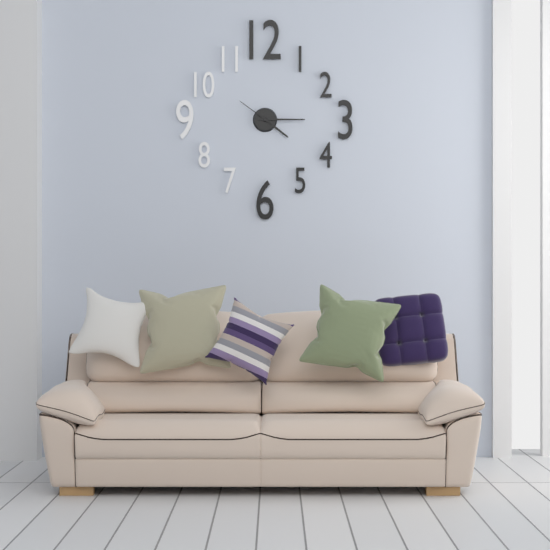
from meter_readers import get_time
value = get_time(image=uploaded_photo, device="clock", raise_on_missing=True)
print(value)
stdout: 4:15
